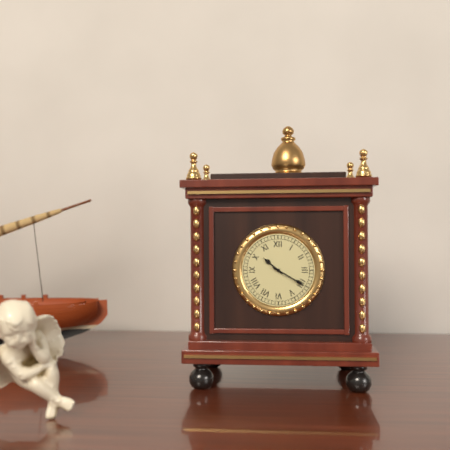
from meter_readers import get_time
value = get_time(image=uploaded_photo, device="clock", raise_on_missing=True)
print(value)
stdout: 10:20
